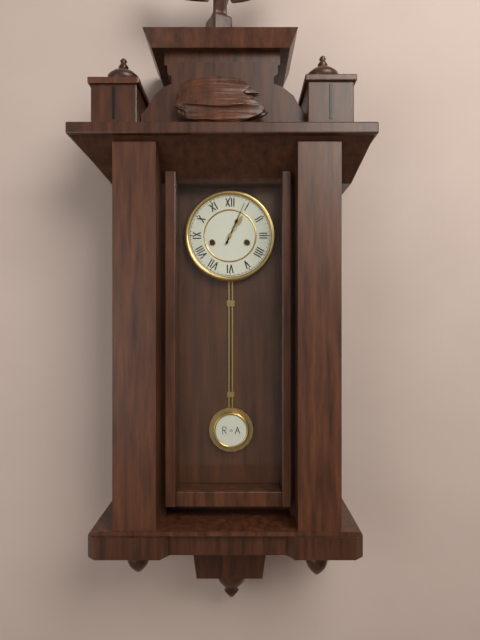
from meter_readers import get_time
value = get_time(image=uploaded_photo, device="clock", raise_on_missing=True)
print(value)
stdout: 1:04
